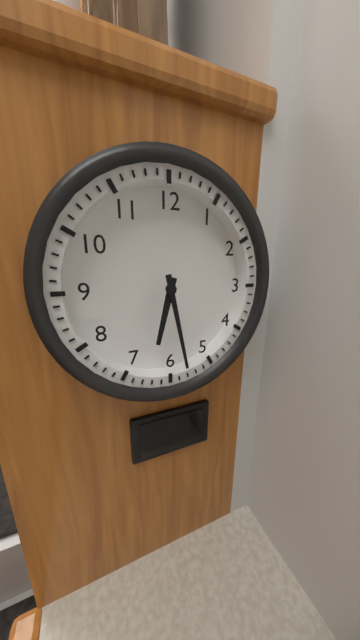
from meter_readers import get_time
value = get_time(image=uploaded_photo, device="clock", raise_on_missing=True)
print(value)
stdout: 6:28
